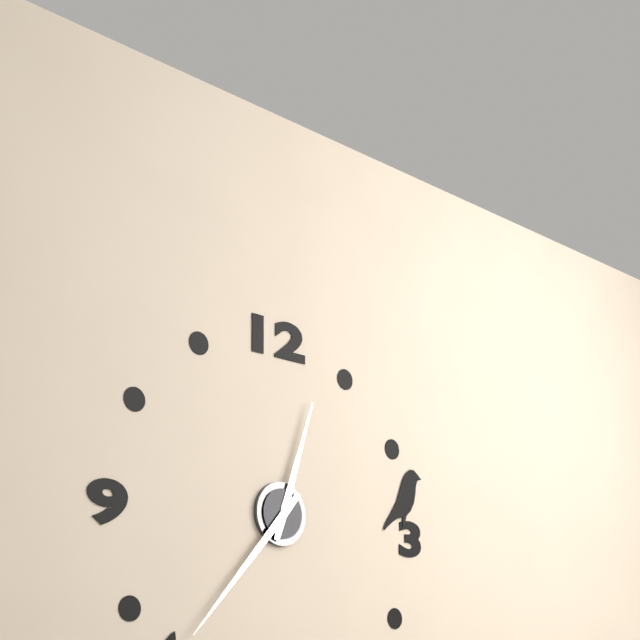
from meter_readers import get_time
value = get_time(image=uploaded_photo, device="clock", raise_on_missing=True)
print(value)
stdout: 12:37
